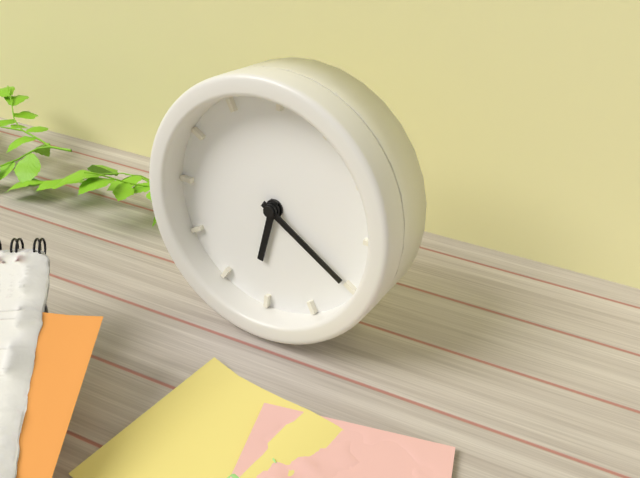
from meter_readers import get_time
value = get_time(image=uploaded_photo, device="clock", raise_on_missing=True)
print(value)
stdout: 6:20
